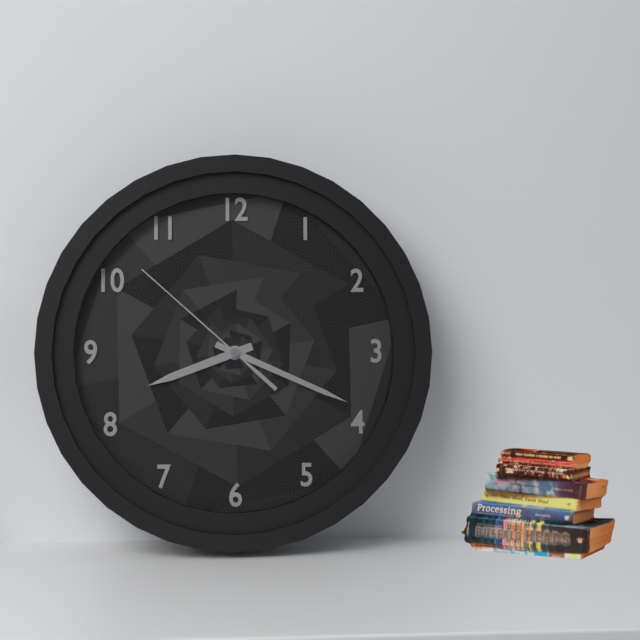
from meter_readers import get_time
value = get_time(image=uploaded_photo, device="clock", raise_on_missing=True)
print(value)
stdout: 8:19:52
